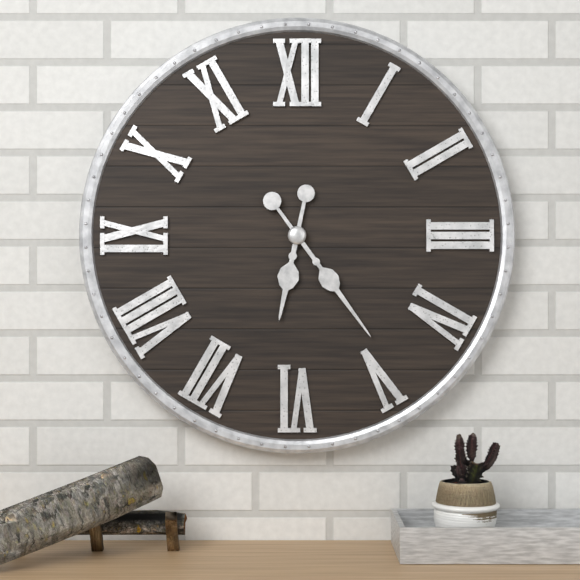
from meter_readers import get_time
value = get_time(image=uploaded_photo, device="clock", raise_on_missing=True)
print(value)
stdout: 6:24
